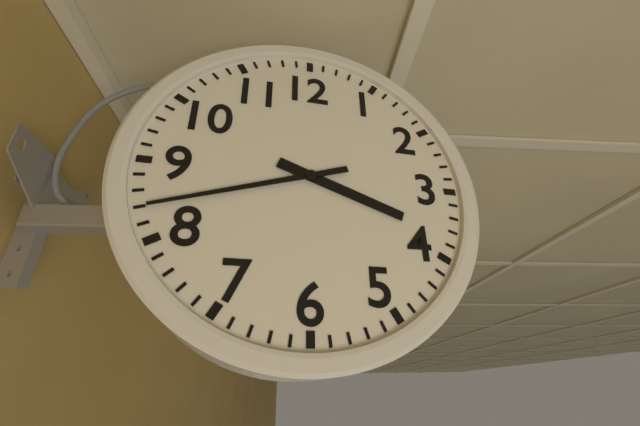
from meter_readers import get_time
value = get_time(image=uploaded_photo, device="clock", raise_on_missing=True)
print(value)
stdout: 3:42
